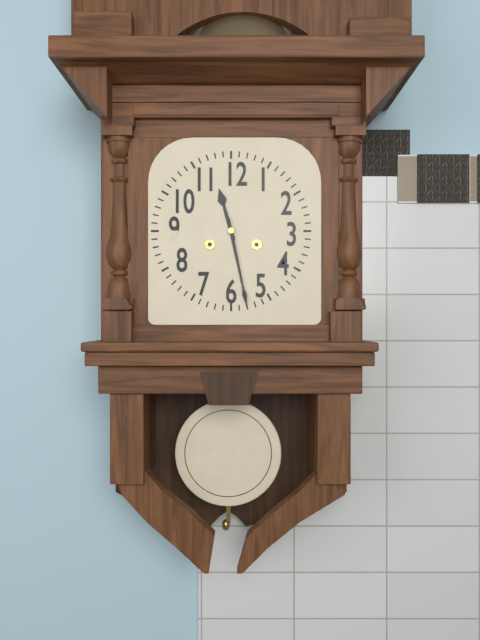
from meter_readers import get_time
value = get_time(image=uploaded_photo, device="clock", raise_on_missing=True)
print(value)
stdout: 11:28
